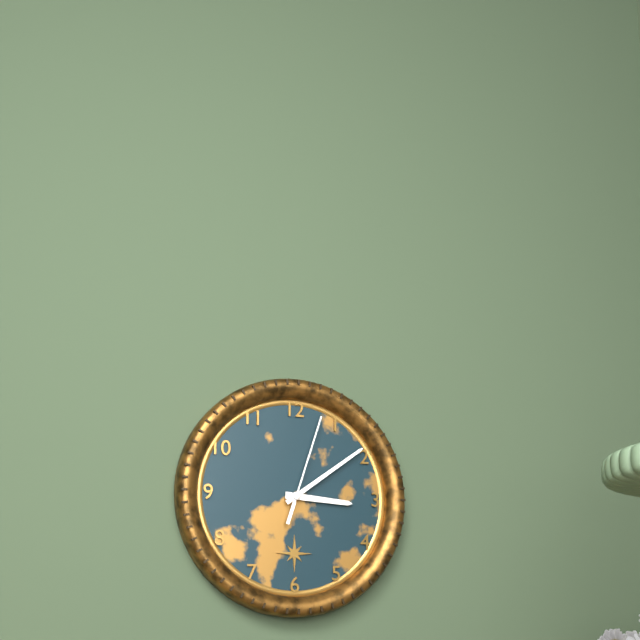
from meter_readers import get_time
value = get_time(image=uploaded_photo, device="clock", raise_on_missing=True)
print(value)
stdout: 3:09:03
